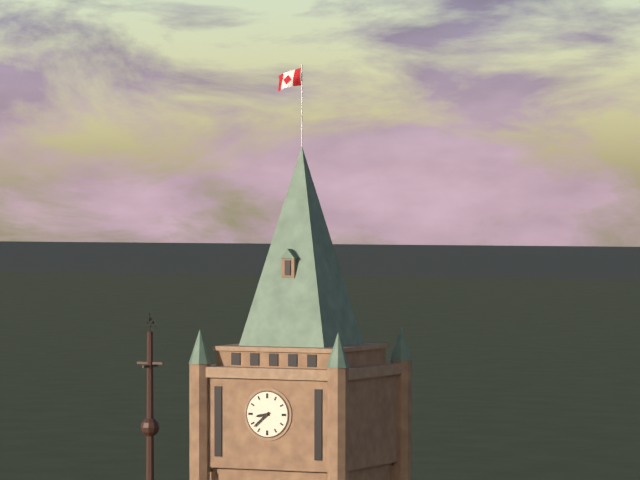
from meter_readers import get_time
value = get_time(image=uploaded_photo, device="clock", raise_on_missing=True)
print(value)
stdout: 8:38
